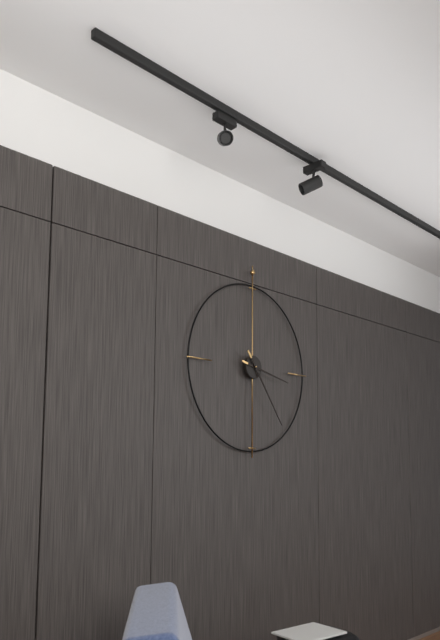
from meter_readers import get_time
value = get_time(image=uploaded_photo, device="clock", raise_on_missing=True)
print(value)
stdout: 3:24
